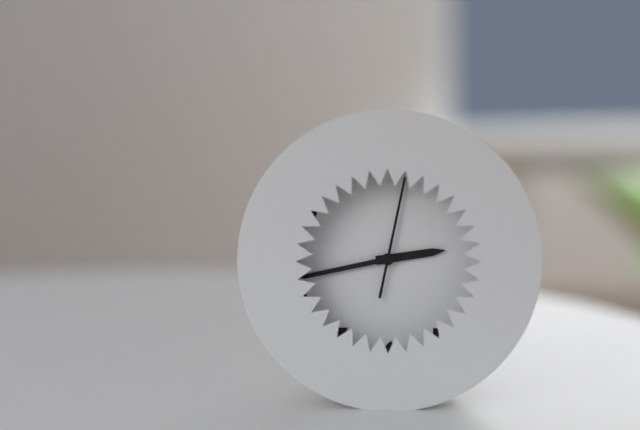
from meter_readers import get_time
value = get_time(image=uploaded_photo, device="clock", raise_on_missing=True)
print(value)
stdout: 2:43:02
